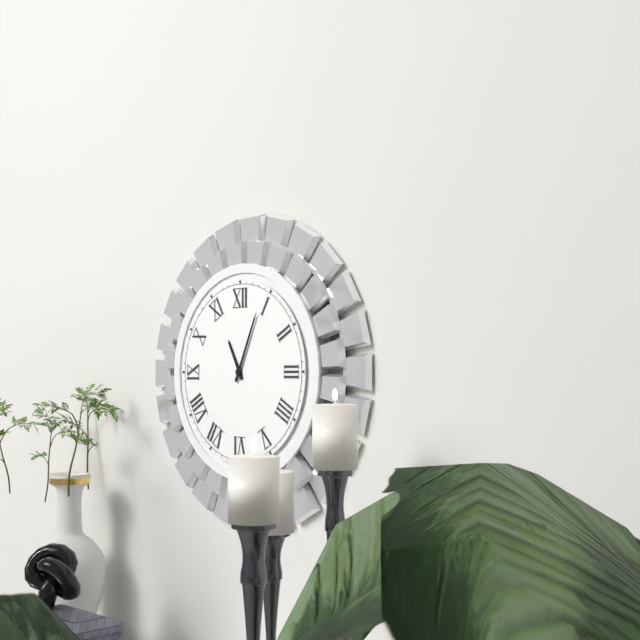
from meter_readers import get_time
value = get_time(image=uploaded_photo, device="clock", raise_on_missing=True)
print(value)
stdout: 11:04
